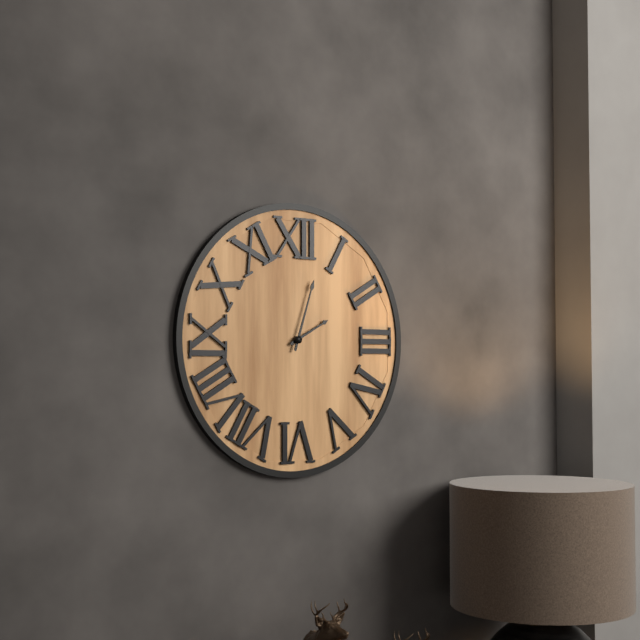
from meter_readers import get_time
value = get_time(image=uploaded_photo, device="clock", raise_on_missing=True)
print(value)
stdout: 2:03
